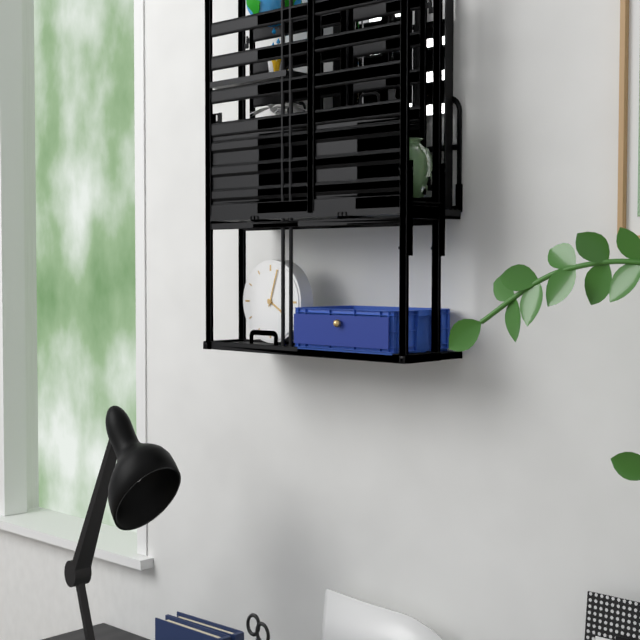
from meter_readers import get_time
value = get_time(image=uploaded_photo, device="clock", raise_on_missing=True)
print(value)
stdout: 4:03
